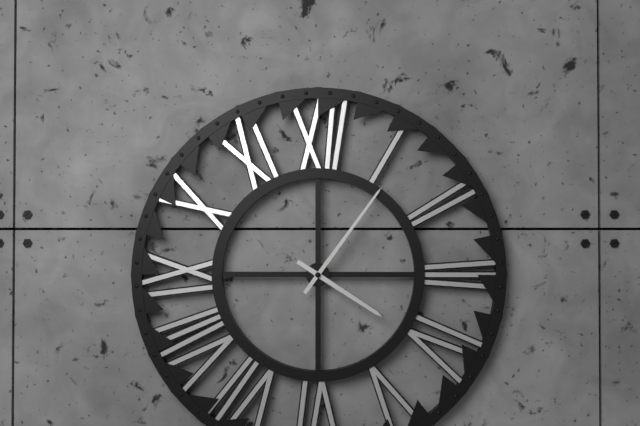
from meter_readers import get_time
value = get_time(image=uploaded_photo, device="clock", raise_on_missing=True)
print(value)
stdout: 4:06
